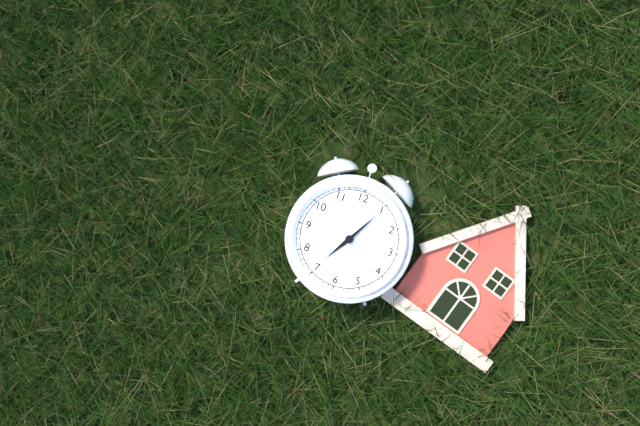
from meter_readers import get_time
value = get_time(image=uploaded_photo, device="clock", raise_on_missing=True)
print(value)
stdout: 7:05
